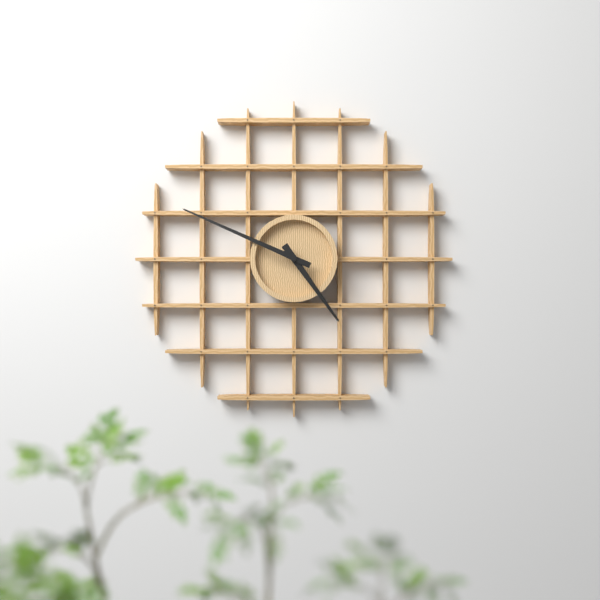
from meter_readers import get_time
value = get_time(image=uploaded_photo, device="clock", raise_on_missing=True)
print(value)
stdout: 4:49
